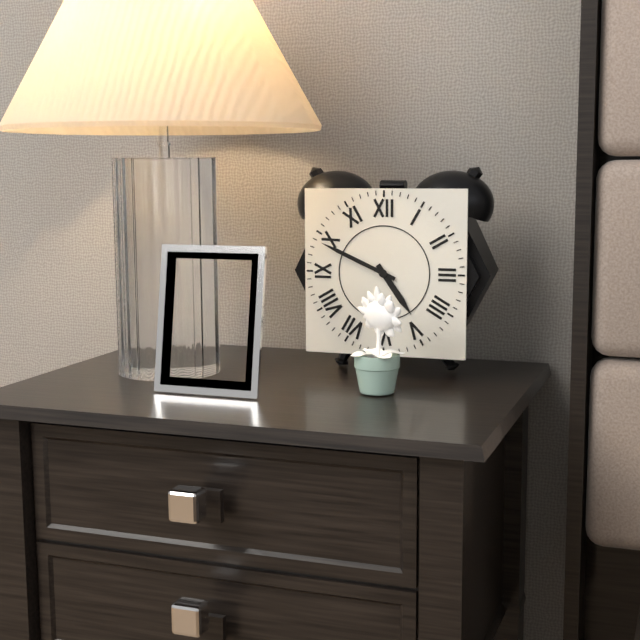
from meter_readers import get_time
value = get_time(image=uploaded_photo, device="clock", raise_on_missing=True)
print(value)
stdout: 4:49
